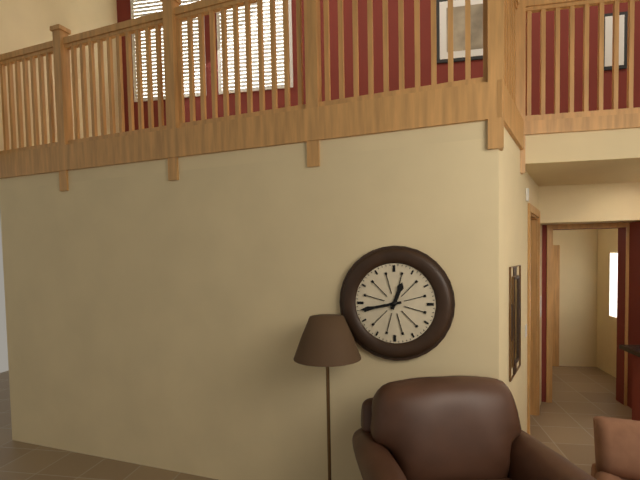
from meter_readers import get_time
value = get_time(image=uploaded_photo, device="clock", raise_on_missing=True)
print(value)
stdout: 12:43
